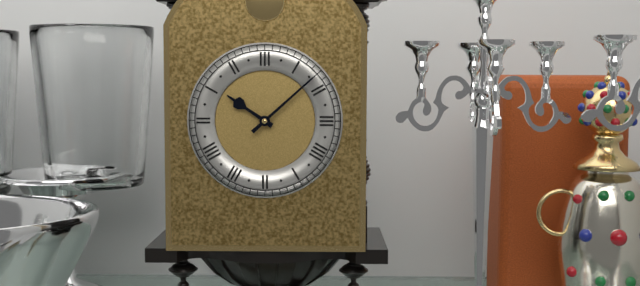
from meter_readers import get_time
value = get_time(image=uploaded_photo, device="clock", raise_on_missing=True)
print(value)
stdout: 10:08
